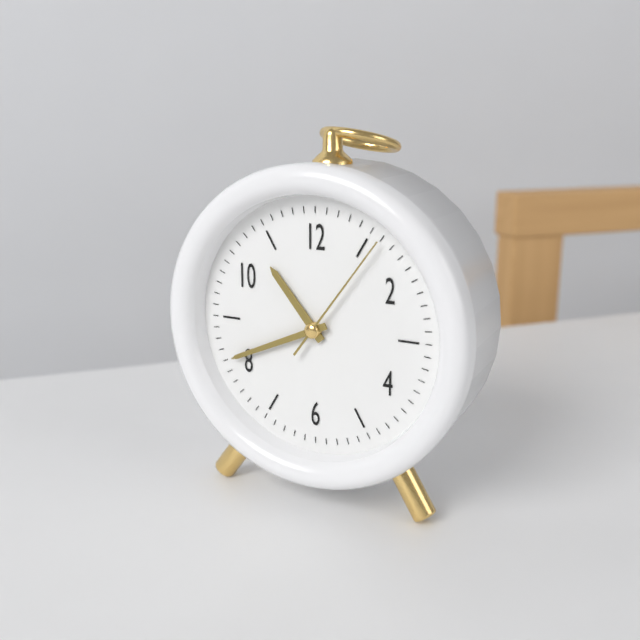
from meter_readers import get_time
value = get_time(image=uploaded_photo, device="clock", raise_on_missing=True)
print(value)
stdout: 10:41:06
